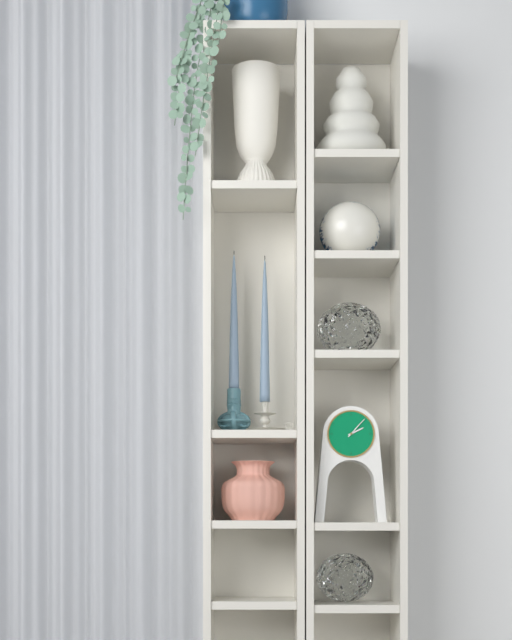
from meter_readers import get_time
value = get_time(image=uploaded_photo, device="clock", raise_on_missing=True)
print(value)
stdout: 2:07
